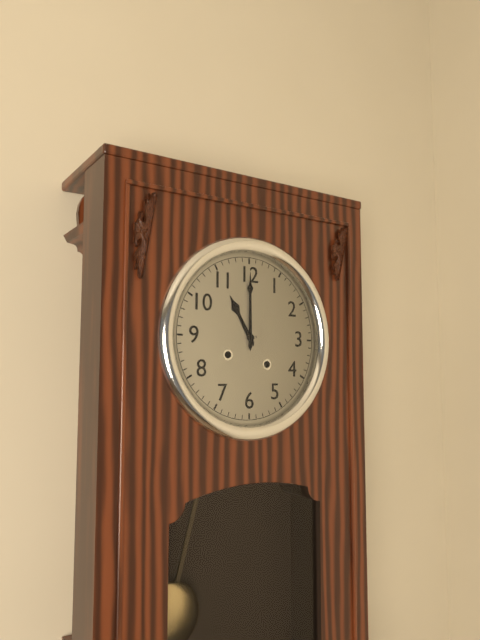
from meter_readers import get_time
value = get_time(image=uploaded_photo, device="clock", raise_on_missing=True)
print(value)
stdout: 11:00
